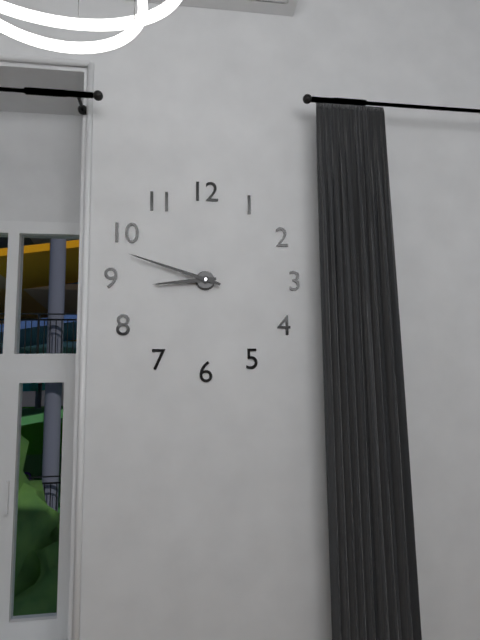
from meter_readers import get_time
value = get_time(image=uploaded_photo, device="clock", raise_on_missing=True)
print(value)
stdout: 8:48
